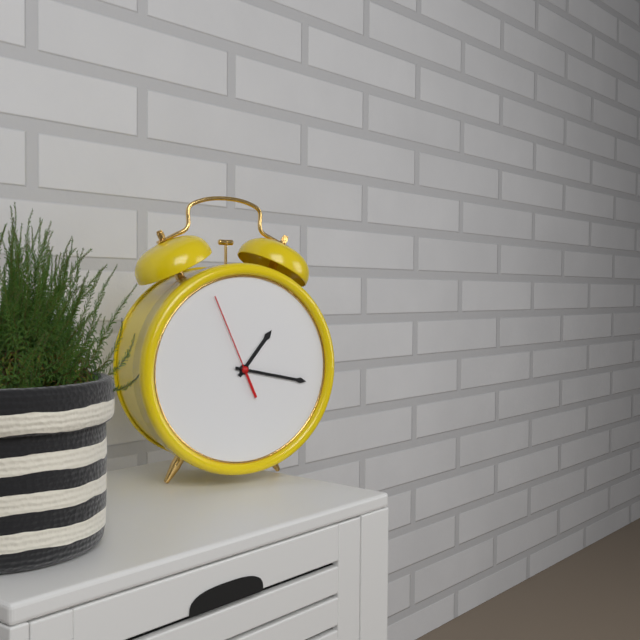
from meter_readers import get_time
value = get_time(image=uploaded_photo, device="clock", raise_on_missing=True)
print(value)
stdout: 1:17:56
